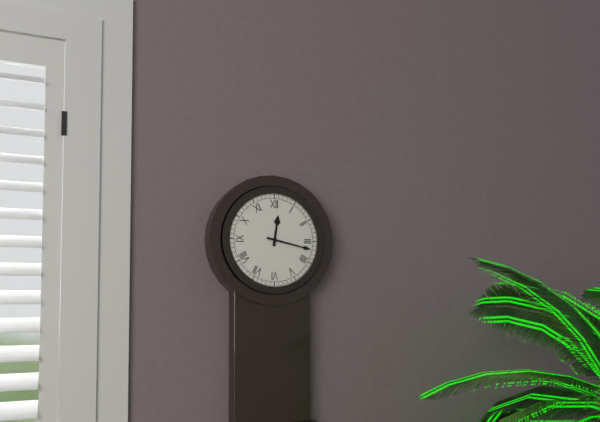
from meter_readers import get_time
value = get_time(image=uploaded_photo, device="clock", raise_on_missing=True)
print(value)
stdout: 12:17
